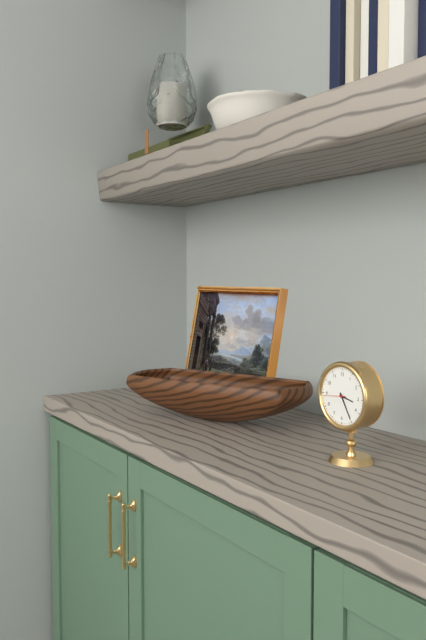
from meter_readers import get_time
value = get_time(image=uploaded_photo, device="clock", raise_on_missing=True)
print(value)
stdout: 3:25
